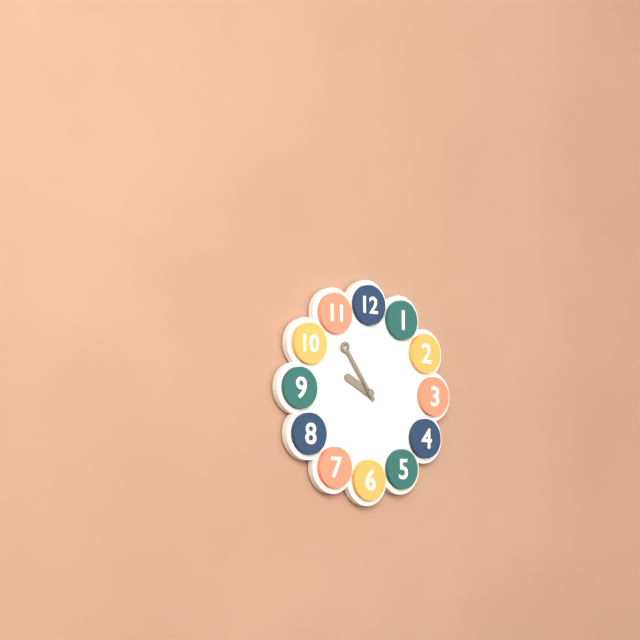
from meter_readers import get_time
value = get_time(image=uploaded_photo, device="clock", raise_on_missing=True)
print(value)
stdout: 9:54
